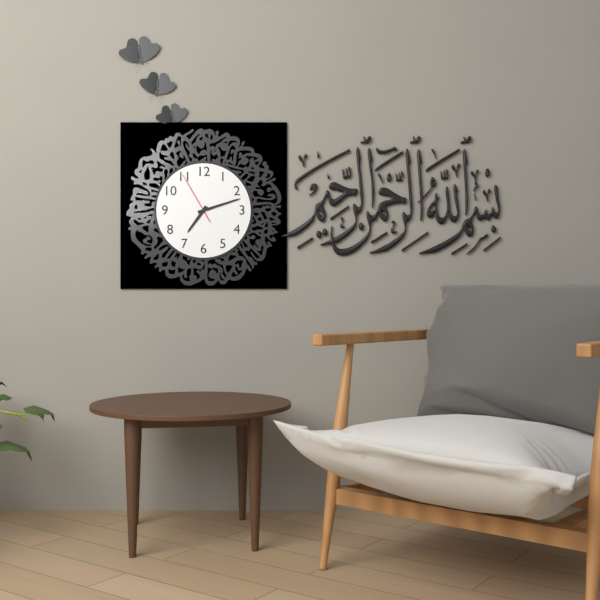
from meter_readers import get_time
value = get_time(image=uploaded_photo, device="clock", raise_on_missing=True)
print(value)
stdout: 7:12:55
